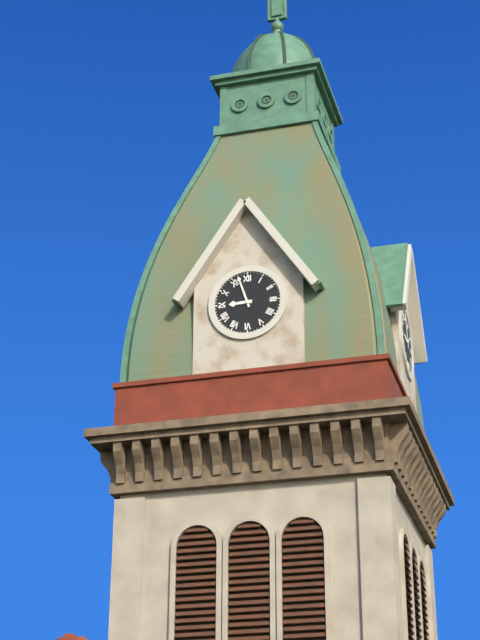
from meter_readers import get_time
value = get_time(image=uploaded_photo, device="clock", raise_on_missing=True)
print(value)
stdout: 8:57
